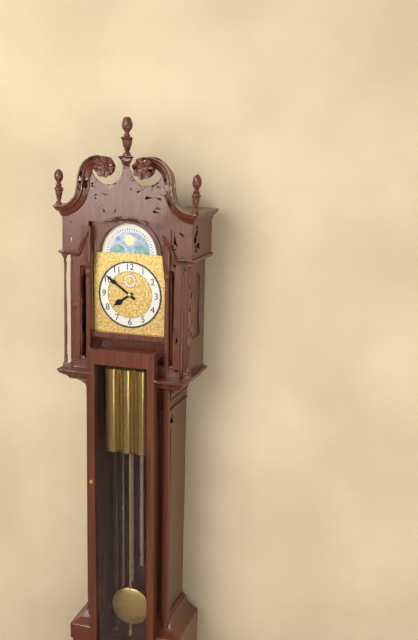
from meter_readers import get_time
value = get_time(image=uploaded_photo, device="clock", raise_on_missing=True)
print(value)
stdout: 7:51
